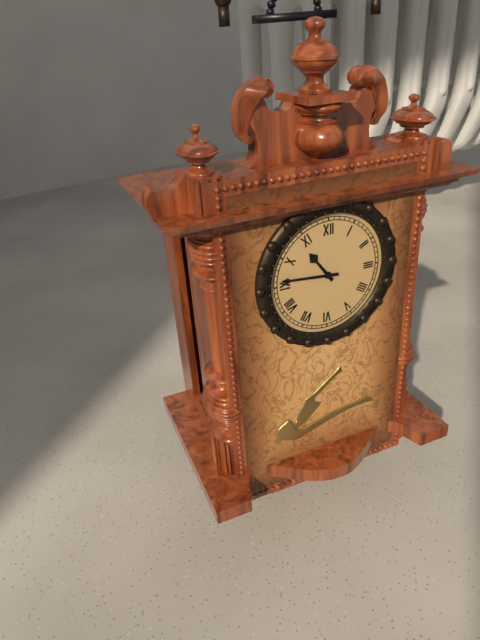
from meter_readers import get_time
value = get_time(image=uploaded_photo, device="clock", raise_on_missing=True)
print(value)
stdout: 10:46
